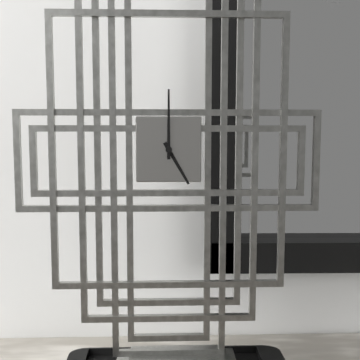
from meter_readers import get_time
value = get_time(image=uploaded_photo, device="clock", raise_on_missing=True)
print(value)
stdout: 5:00
